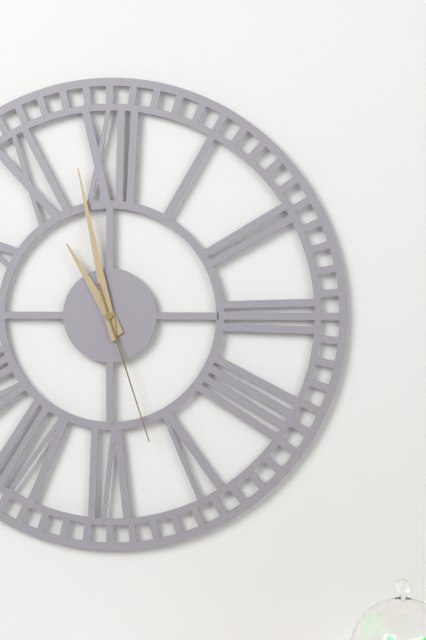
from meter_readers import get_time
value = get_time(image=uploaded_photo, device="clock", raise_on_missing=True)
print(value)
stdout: 10:58:27
